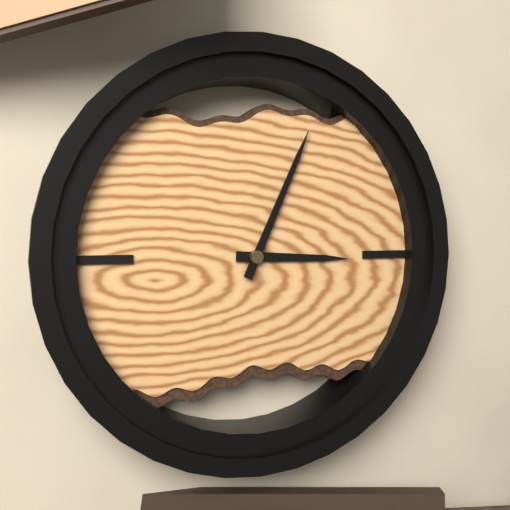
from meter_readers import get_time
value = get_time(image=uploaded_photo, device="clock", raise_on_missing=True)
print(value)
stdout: 3:04
